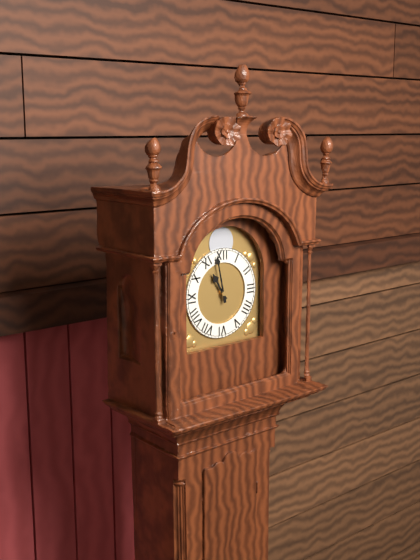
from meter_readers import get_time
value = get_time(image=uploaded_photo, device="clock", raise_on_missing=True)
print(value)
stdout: 10:58
